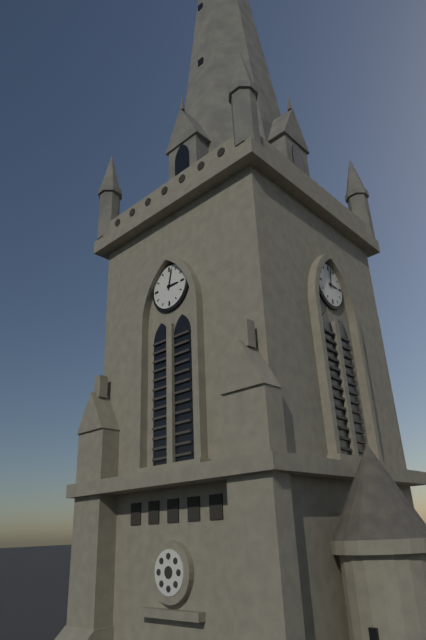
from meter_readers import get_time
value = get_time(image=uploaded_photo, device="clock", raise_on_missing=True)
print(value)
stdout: 3:02
